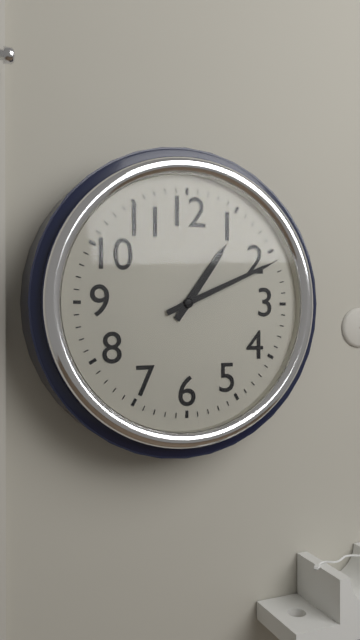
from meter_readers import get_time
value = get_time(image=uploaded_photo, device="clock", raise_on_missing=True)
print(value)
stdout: 1:11
